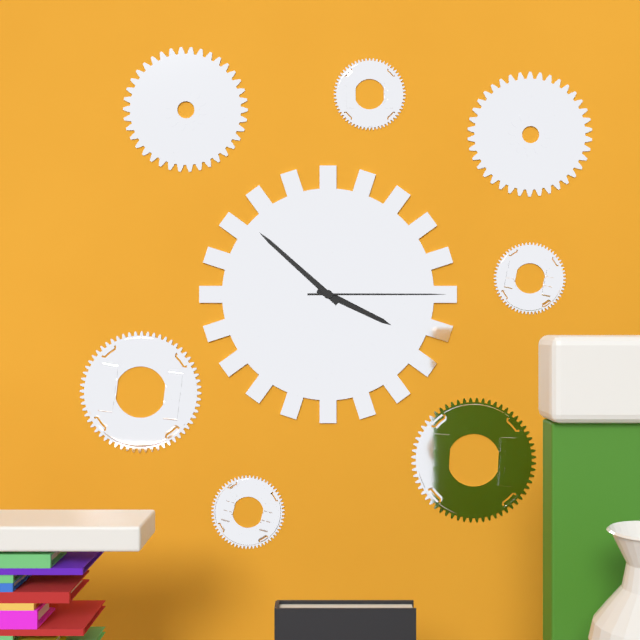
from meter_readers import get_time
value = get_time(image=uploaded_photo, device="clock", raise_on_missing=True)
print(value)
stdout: 3:52:15
